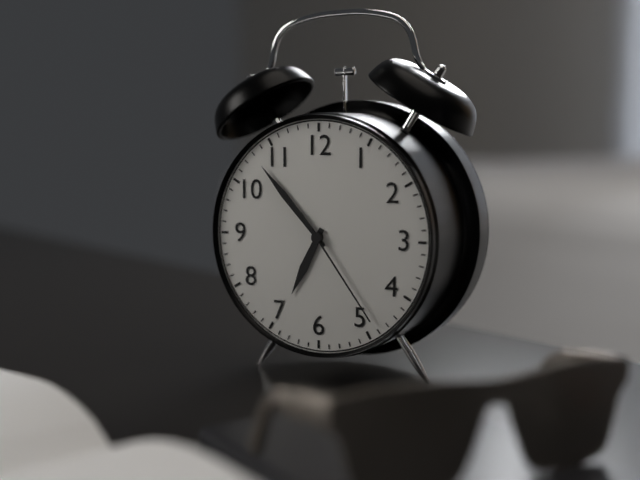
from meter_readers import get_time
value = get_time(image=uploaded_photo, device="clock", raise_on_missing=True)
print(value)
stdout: 6:53:24
